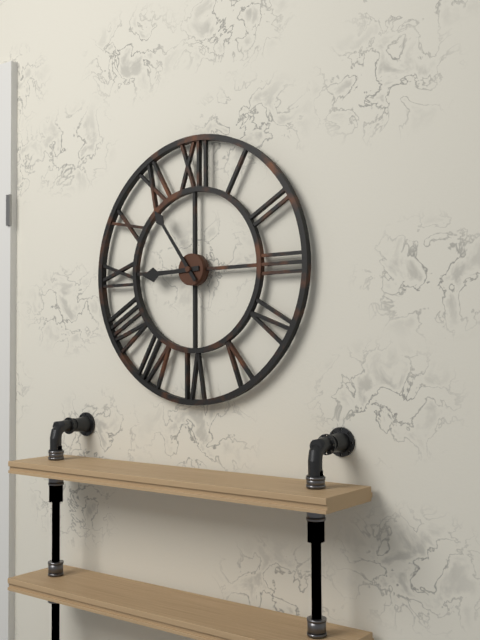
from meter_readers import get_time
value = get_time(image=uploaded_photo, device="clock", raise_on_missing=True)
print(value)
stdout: 8:54
